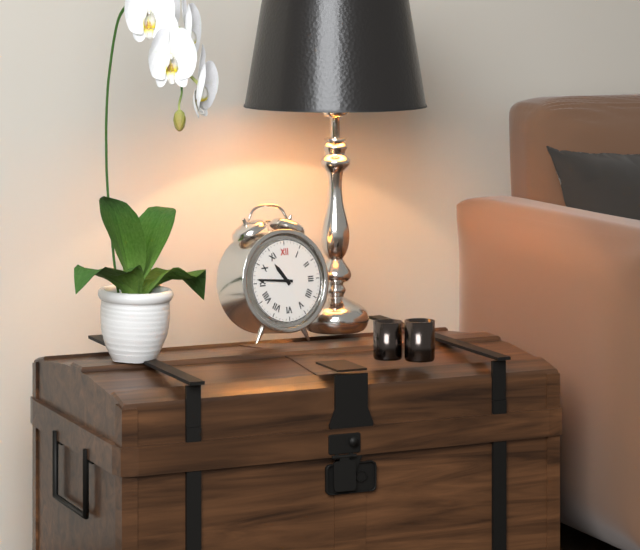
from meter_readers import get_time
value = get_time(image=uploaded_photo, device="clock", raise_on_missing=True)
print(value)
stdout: 10:46
